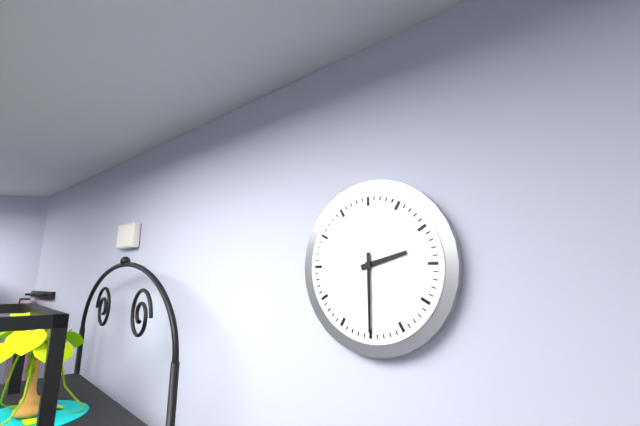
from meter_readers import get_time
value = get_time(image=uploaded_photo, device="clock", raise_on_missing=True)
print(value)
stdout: 2:30
